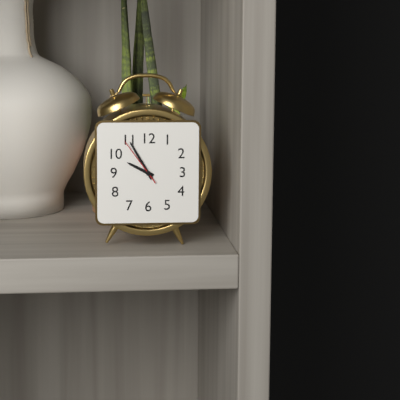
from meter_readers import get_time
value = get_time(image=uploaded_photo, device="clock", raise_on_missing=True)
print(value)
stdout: 9:55:54
